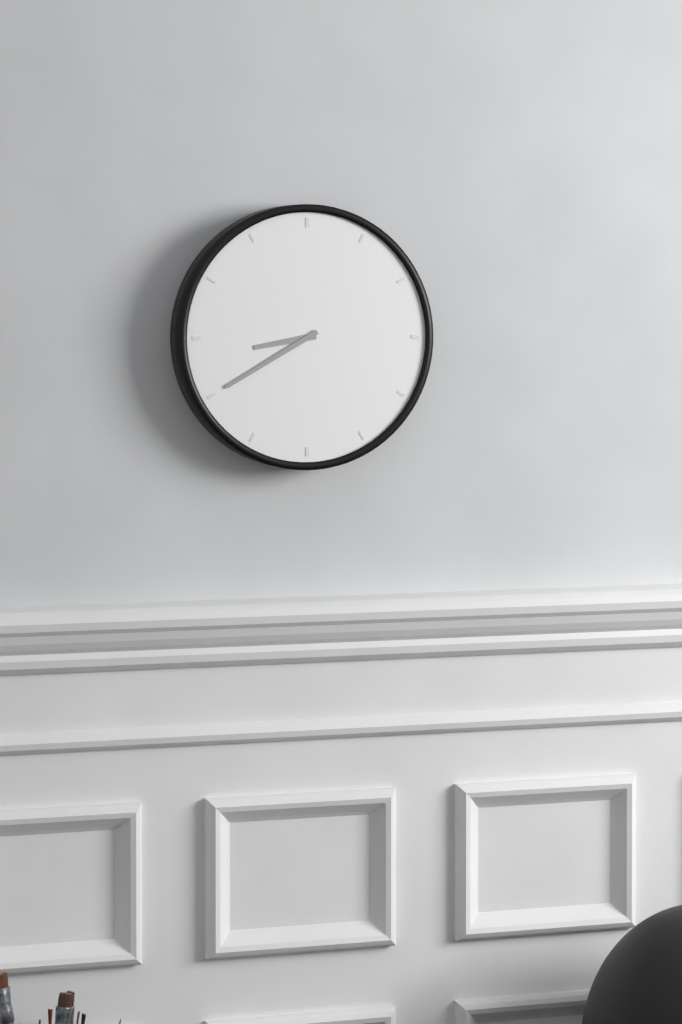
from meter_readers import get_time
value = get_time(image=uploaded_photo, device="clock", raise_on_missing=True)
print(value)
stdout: 8:40
